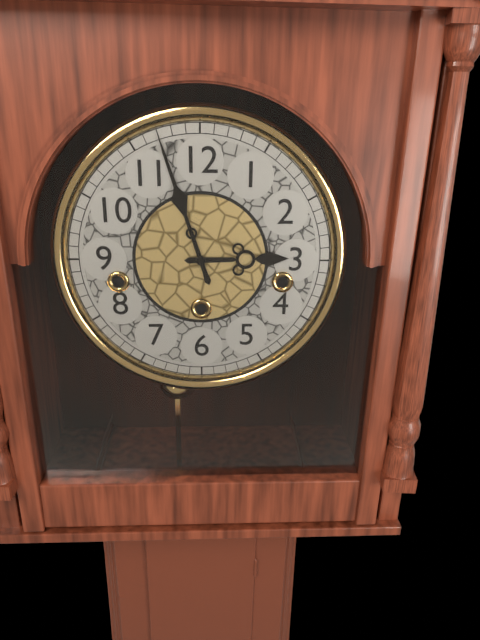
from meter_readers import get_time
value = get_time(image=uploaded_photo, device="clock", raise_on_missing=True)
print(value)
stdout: 2:57
